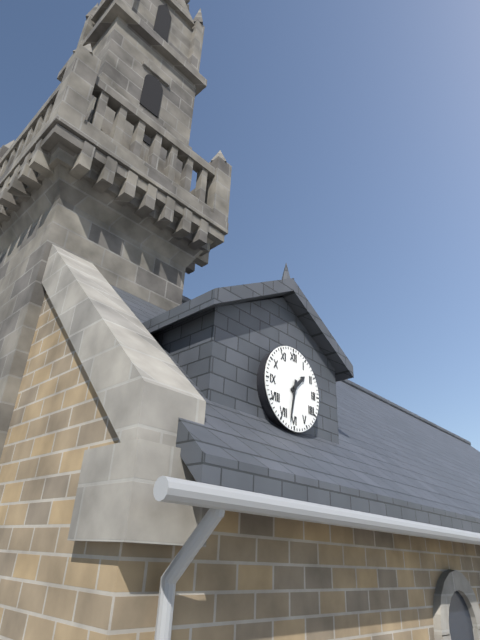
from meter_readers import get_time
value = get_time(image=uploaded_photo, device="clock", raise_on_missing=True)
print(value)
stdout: 1:32
